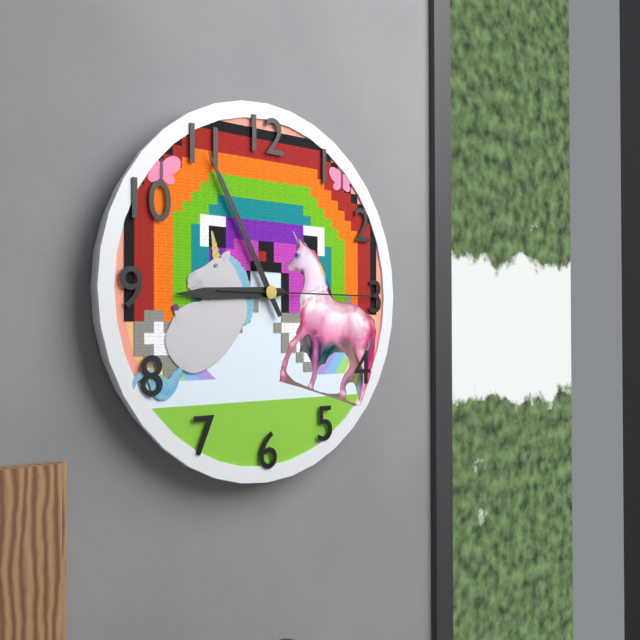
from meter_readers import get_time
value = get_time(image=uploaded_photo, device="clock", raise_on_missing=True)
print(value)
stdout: 8:55:15
